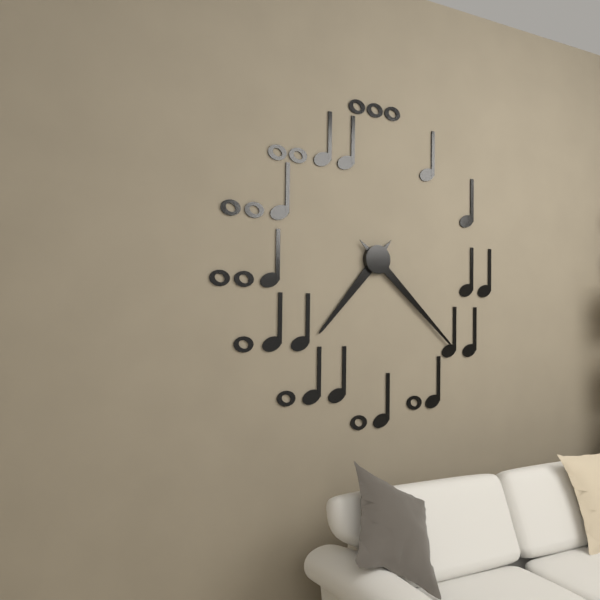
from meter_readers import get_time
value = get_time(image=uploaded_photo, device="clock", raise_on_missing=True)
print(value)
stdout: 7:22
